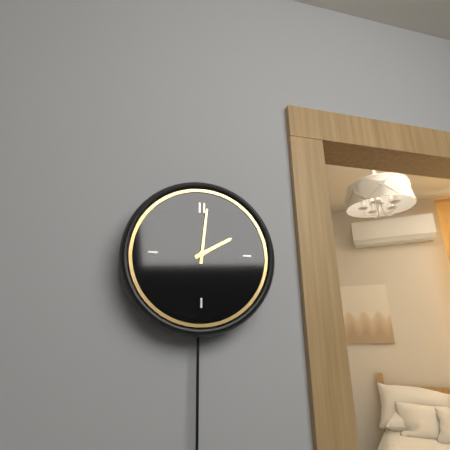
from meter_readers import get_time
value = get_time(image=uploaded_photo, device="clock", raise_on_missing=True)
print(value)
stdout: 2:01
